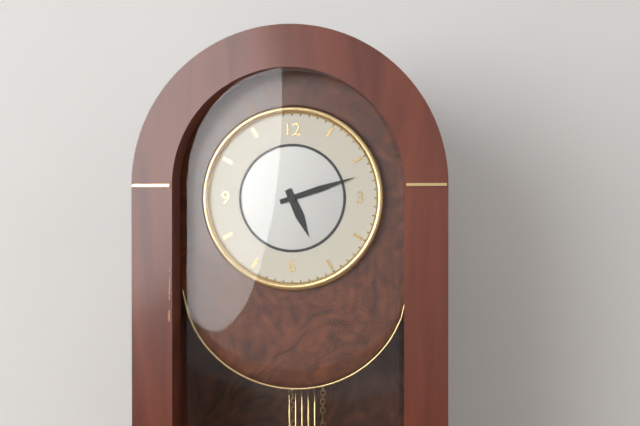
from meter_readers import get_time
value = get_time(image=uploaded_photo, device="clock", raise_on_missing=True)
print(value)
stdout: 5:12
